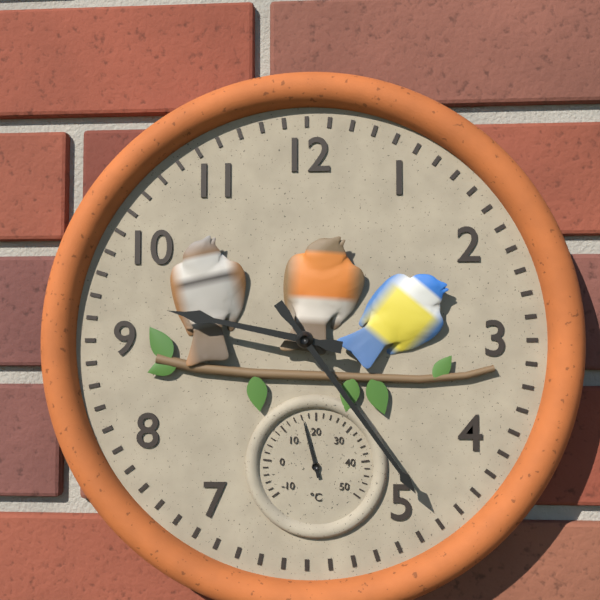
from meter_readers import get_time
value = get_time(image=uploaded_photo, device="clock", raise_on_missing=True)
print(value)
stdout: 9:24
